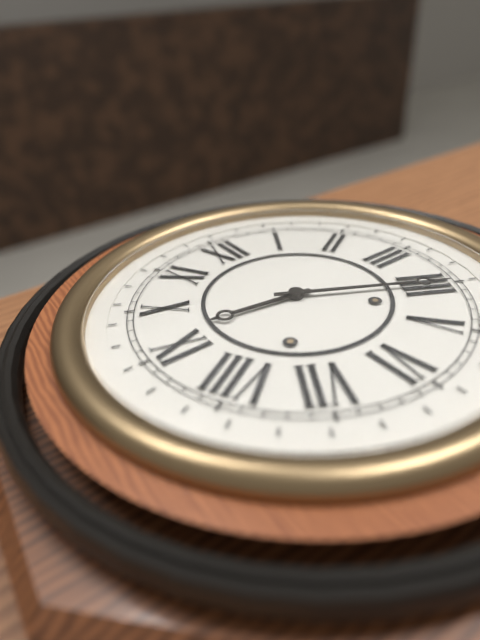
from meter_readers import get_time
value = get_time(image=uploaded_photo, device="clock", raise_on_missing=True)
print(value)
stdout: 9:20
